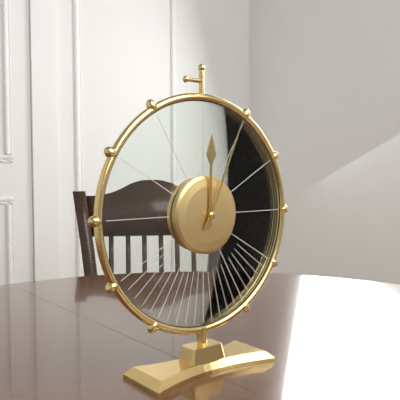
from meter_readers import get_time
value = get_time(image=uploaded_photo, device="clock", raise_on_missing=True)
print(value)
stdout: 12:04
